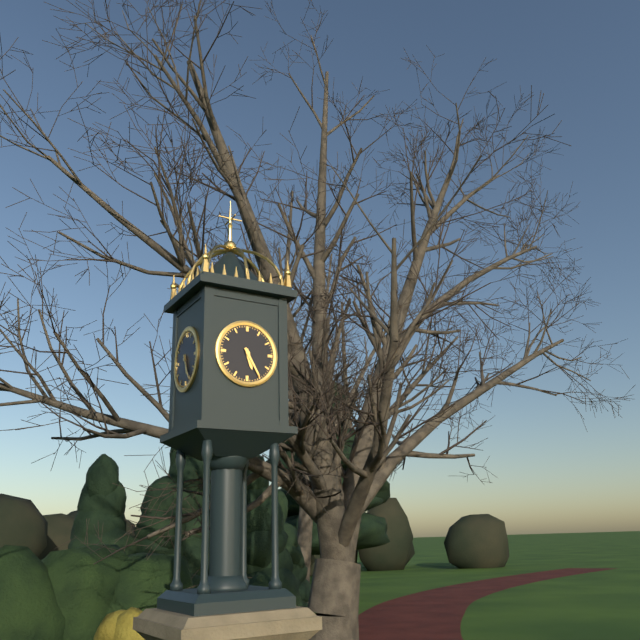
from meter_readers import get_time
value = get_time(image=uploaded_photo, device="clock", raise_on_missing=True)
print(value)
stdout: 5:25
